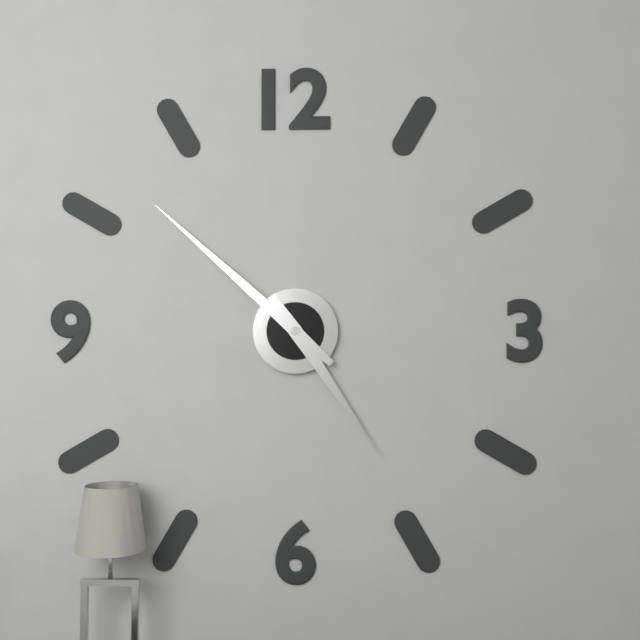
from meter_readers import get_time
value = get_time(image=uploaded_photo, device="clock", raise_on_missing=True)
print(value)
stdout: 4:52
